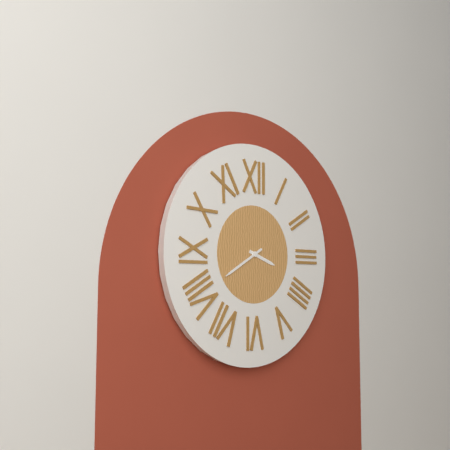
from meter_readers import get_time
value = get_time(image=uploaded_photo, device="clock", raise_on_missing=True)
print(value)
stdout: 3:40
